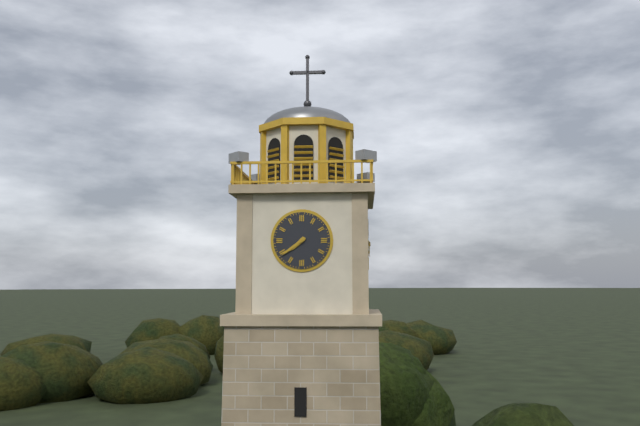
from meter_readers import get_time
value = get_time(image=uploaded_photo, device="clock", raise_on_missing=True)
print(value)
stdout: 7:39
